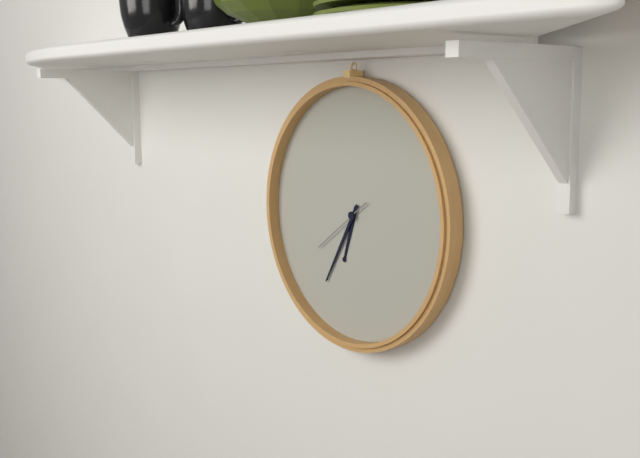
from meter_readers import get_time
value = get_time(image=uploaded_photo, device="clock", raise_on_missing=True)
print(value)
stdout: 6:35:39
